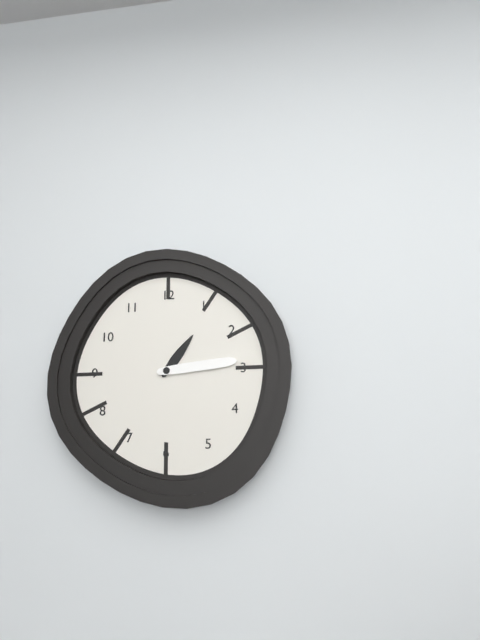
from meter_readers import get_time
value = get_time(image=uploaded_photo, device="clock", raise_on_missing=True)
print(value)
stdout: 1:14
